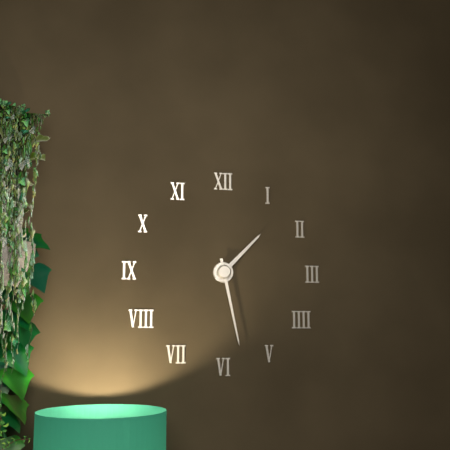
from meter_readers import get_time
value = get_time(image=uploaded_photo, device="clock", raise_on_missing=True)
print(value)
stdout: 1:28
